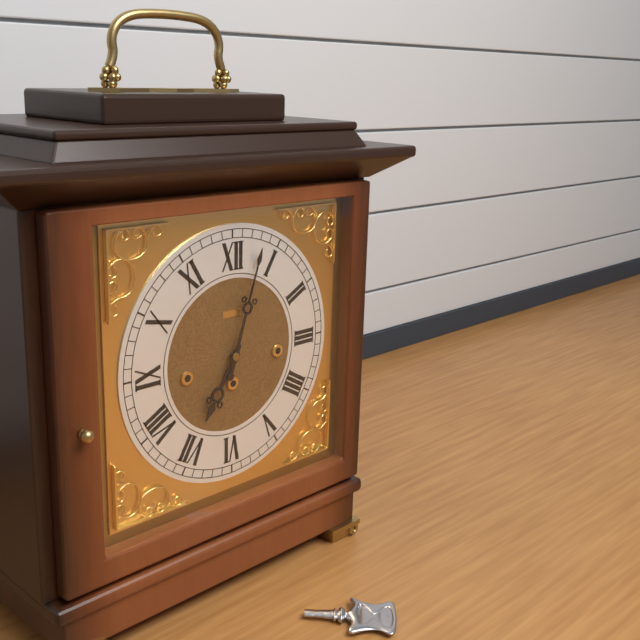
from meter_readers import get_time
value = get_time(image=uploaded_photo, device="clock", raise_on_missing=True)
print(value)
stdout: 7:03
